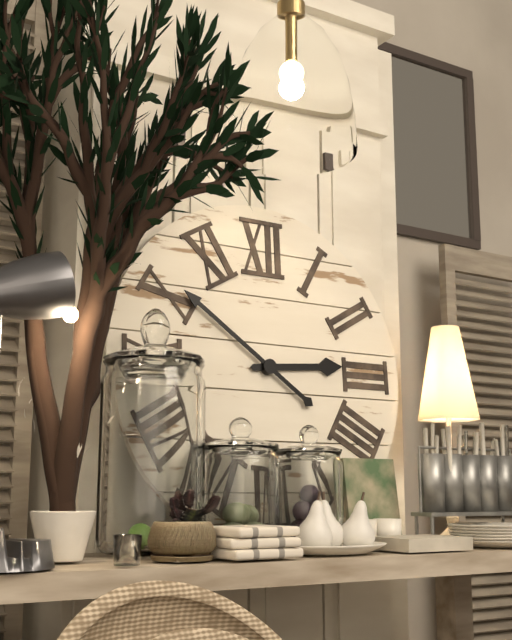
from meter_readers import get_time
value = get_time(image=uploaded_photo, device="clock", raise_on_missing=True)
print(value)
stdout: 2:51
